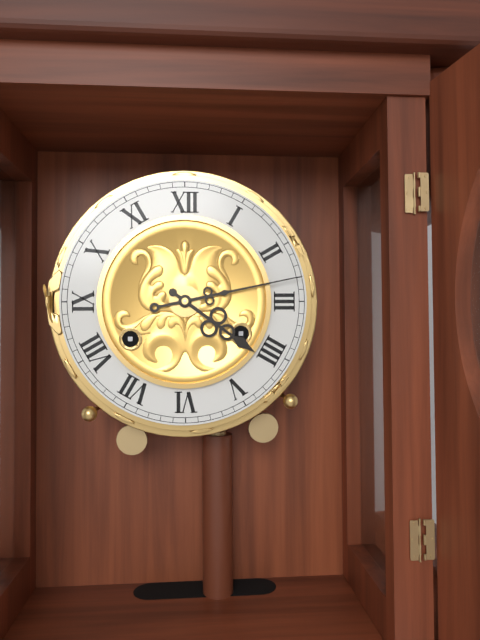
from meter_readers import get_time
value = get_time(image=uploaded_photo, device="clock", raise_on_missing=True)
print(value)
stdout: 4:13
